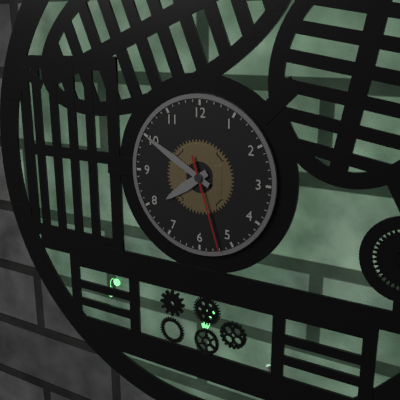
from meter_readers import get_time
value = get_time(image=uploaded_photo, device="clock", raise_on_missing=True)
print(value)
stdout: 7:50:27
